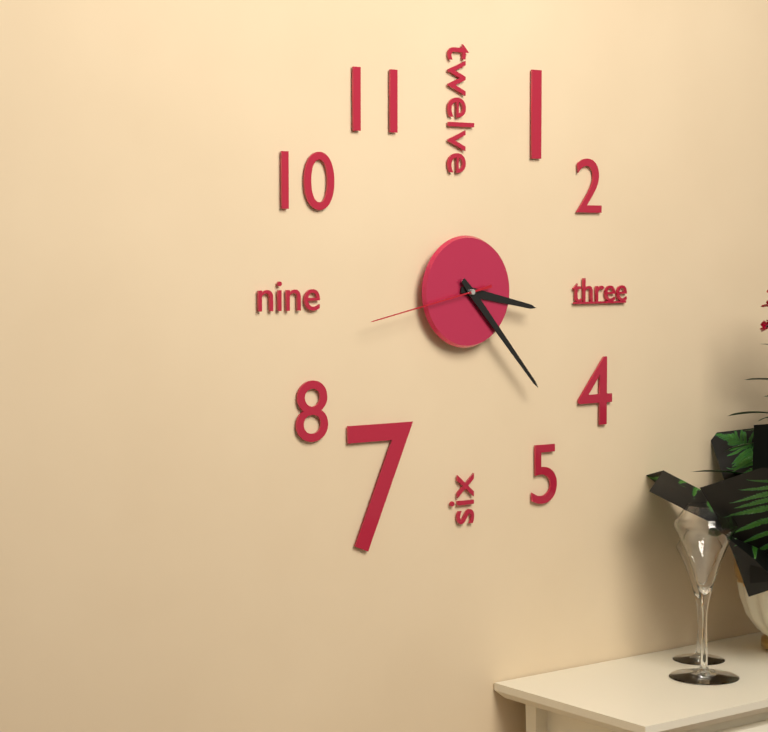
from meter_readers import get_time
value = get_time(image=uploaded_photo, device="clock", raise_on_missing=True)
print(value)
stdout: 3:23:43
